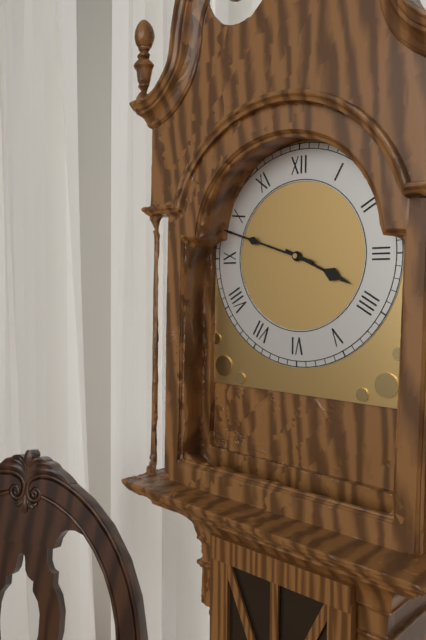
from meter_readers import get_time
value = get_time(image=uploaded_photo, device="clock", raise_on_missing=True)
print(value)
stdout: 3:48
